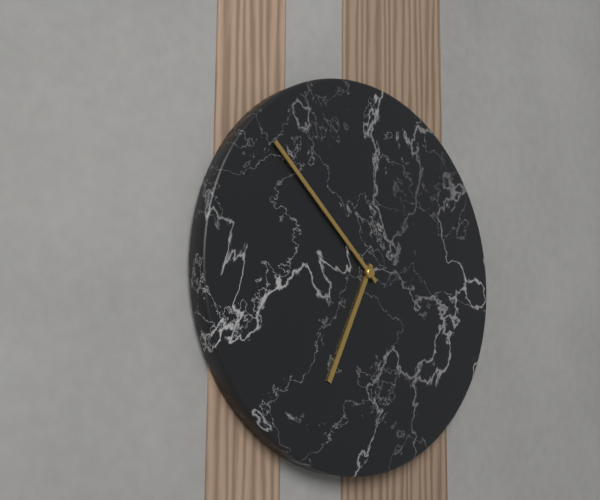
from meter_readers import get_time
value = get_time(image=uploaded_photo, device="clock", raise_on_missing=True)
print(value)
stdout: 6:52
